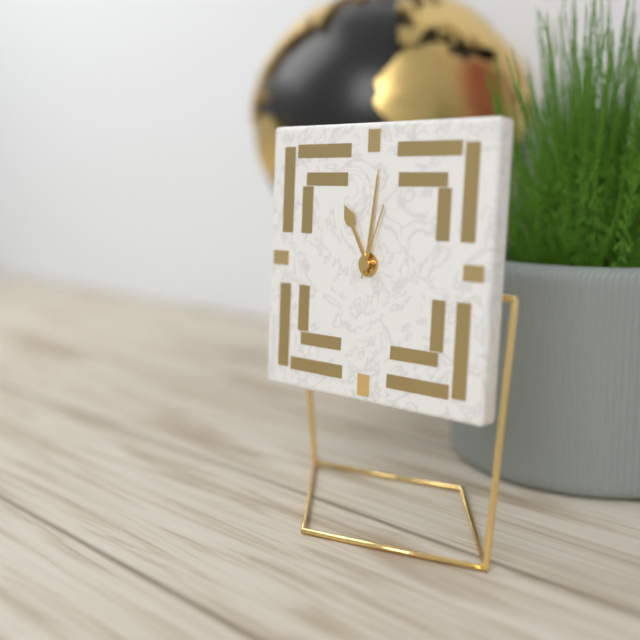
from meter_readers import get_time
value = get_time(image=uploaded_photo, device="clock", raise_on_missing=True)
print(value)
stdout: 11:01:03
